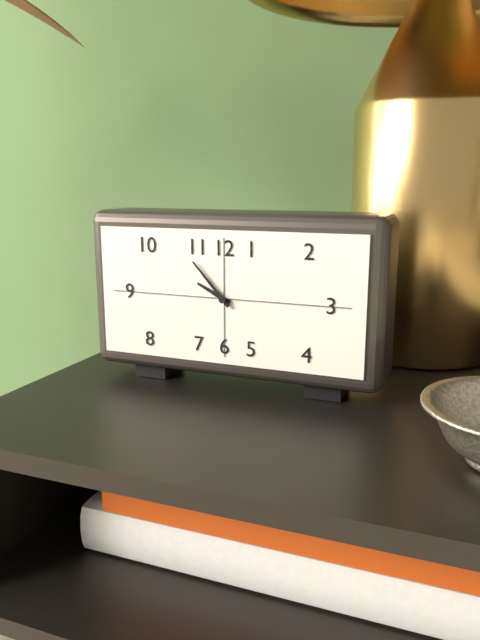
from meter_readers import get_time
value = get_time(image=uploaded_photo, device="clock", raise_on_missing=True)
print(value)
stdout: 9:53
